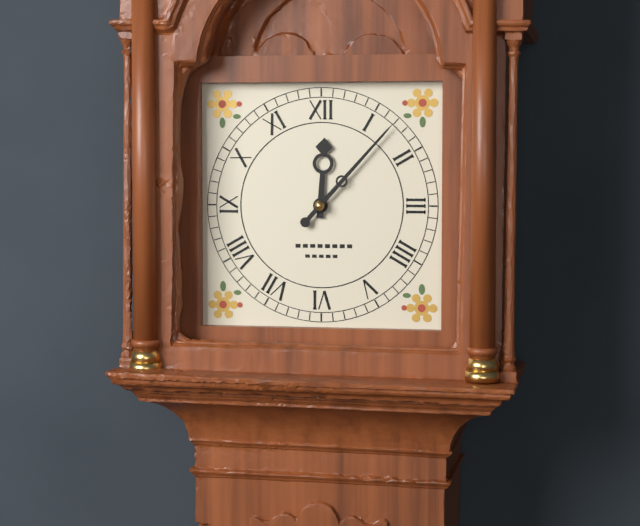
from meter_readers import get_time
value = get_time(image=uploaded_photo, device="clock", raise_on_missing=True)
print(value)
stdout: 12:07
